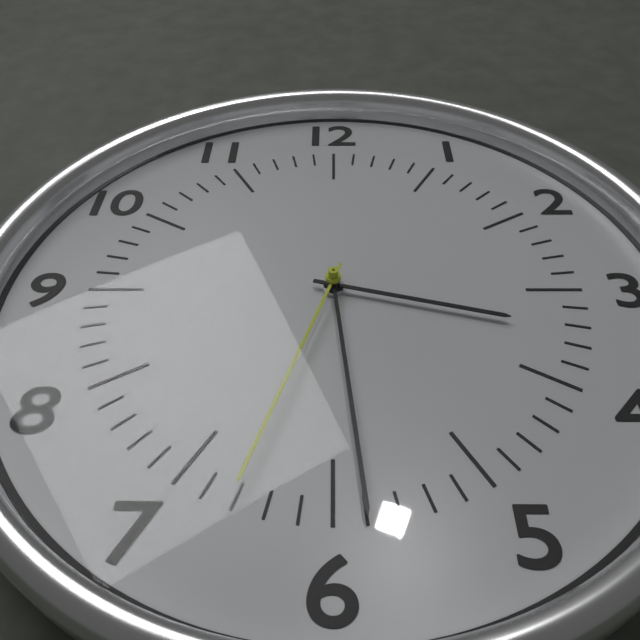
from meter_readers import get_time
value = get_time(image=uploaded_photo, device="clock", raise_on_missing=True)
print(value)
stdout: 3:29:33
